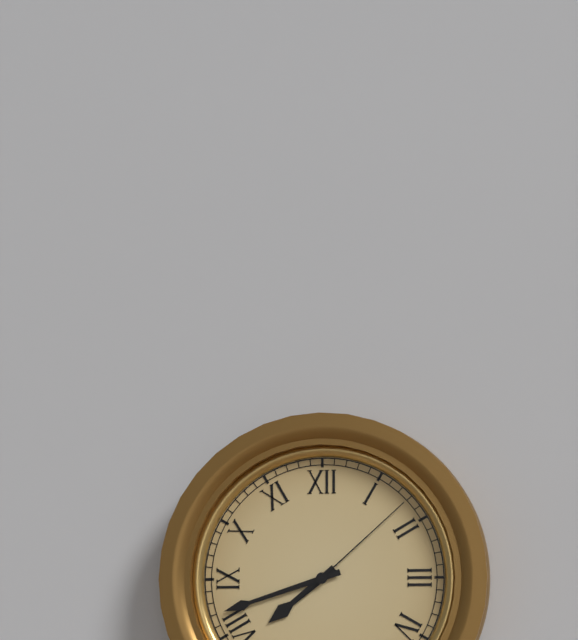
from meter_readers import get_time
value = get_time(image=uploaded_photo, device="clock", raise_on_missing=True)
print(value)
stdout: 7:42:08
